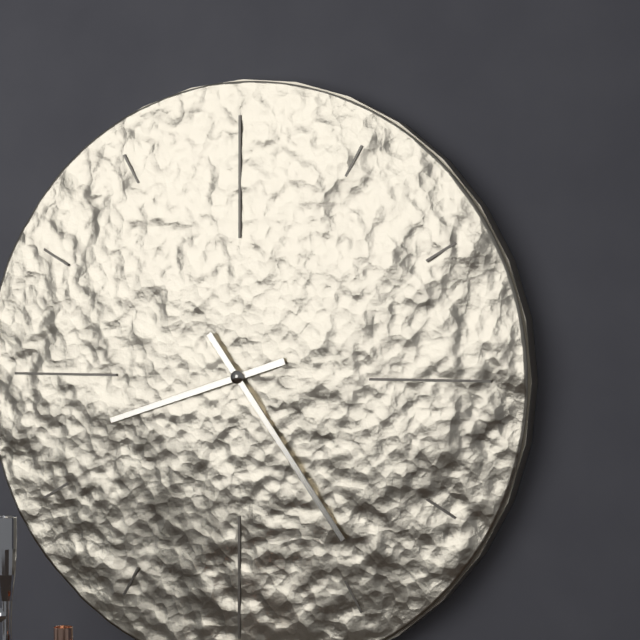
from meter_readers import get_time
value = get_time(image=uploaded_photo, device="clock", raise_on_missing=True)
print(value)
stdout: 8:24
